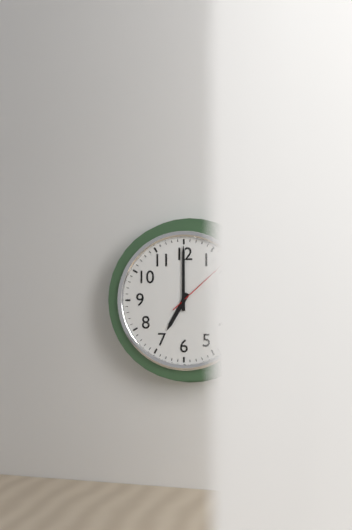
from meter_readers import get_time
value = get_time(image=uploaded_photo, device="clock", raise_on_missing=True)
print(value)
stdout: 7:00
